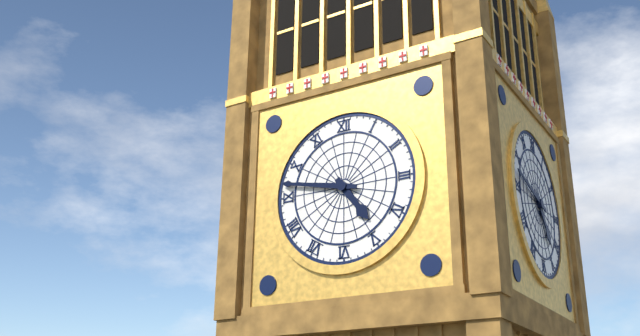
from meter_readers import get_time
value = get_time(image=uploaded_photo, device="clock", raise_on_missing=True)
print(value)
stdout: 4:47
